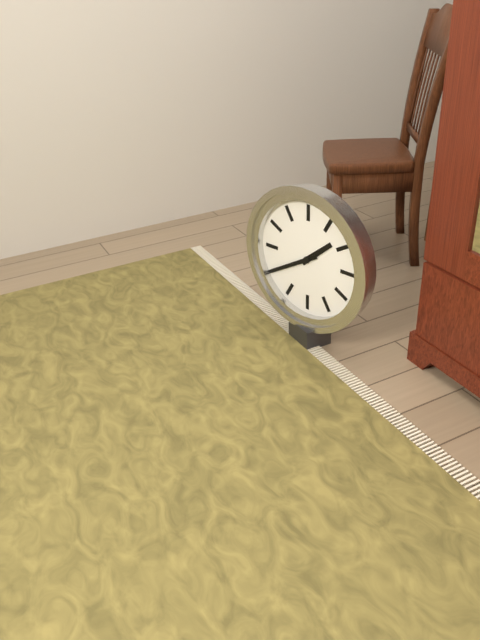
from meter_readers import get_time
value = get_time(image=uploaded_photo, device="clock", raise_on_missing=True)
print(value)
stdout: 1:40
